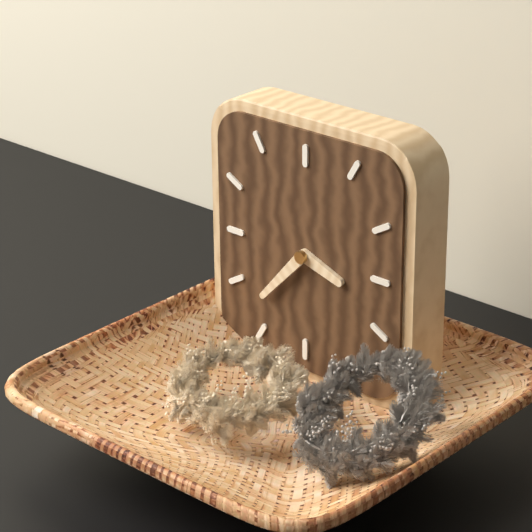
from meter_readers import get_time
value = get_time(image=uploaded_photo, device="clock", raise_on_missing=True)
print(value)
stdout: 3:37
